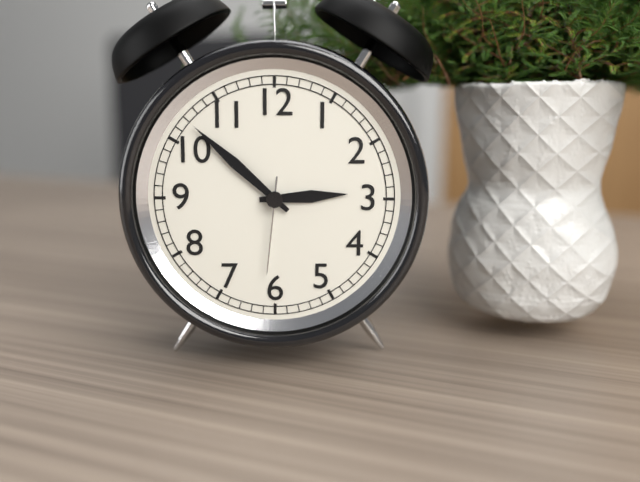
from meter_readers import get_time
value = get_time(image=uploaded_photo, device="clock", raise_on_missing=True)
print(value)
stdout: 2:52:31
